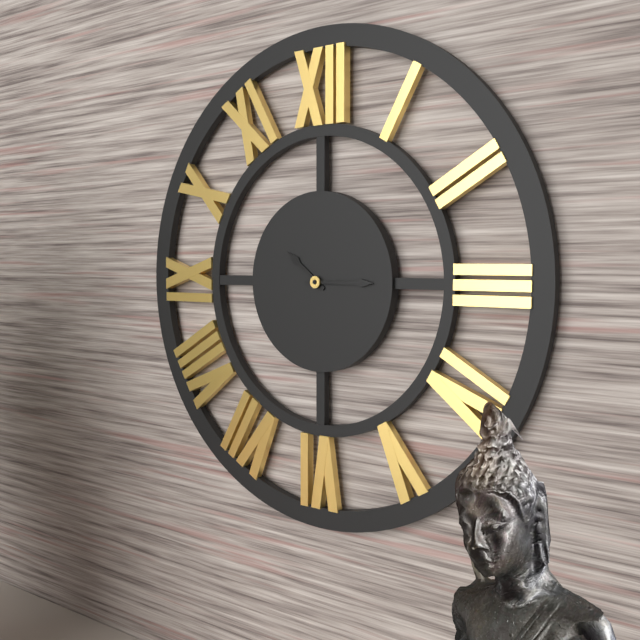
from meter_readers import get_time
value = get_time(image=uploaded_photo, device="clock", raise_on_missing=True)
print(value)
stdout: 10:15
